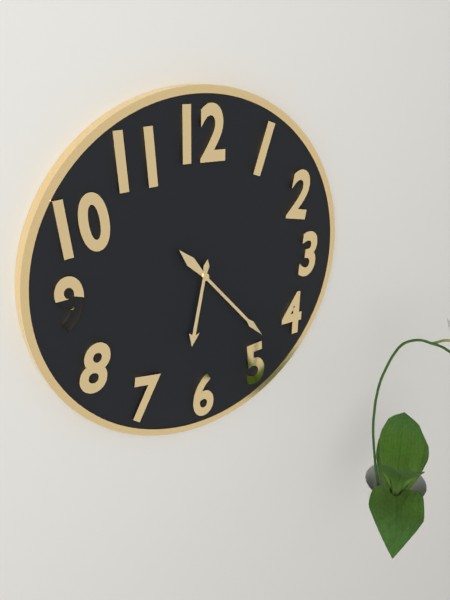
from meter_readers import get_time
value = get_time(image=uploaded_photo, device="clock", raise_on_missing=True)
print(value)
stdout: 6:23
